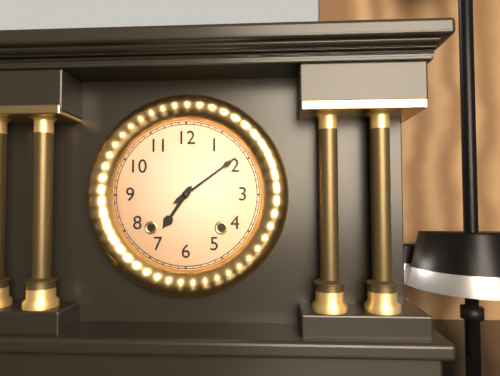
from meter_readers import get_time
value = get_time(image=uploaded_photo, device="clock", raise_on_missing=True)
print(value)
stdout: 7:09
